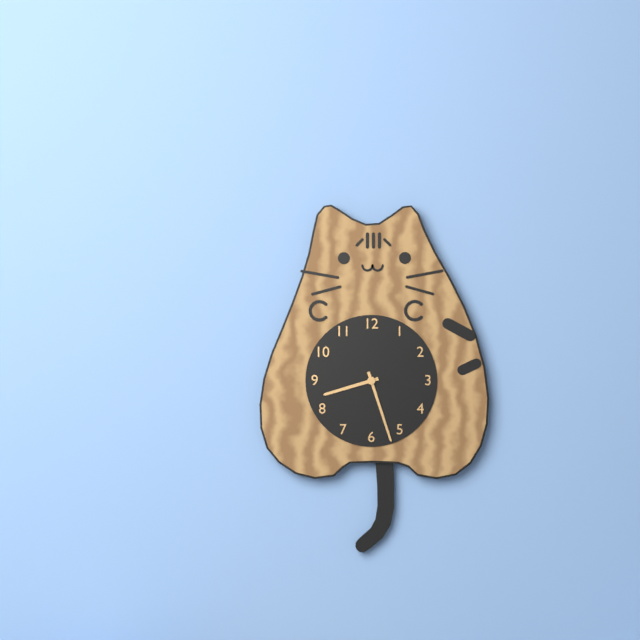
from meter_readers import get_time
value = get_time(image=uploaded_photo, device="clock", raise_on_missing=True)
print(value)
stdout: 8:27
